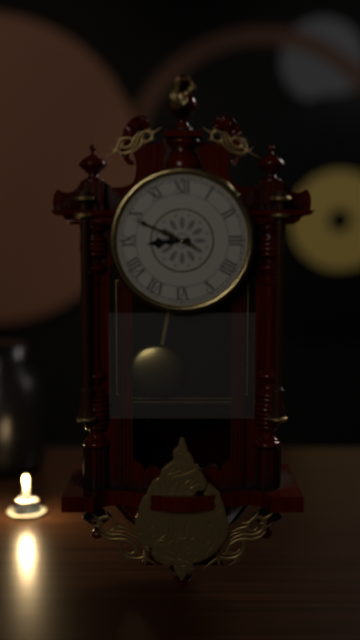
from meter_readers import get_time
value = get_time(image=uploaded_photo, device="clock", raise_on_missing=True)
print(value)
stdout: 8:49:49
